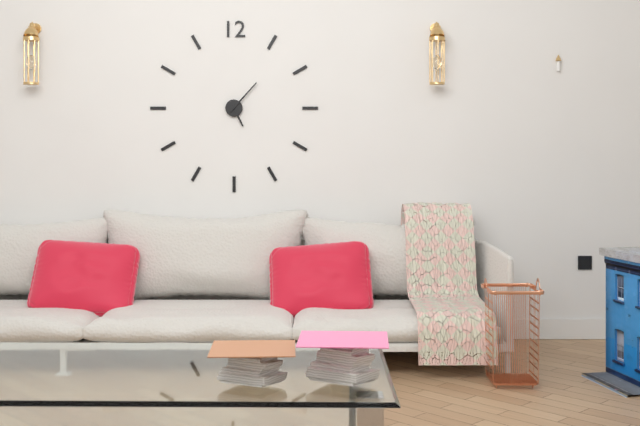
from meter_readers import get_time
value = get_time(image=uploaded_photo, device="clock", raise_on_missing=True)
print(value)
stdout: 5:07
